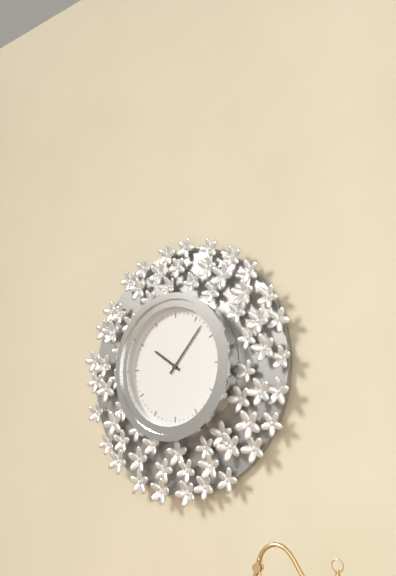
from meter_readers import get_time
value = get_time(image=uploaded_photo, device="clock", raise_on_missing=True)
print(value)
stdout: 10:07
